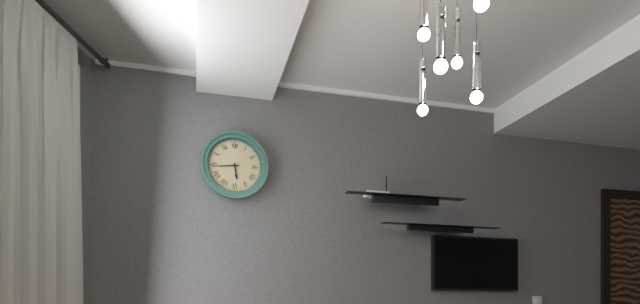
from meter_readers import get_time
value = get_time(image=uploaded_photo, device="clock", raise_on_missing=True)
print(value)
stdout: 5:44
